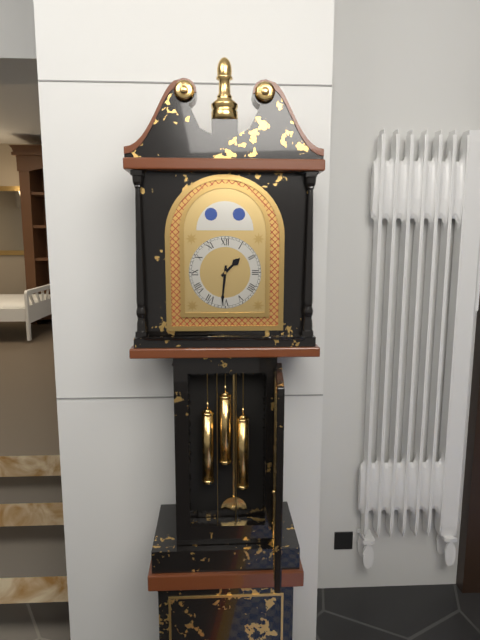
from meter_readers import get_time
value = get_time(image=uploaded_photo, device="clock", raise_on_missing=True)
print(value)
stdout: 1:31
